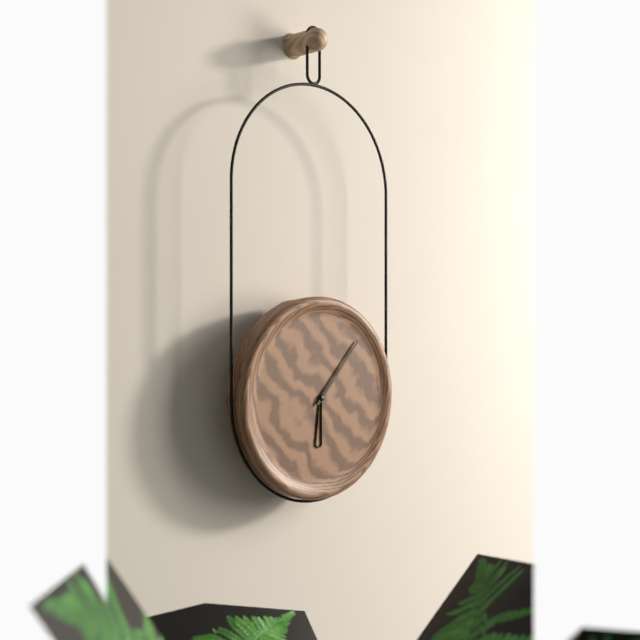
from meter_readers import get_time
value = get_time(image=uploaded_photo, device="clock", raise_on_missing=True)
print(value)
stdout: 6:07
